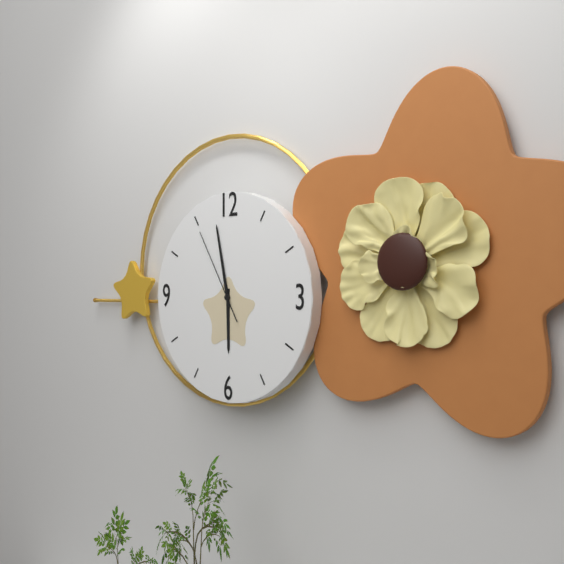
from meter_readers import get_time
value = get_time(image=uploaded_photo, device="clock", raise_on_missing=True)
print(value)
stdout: 5:58:55
